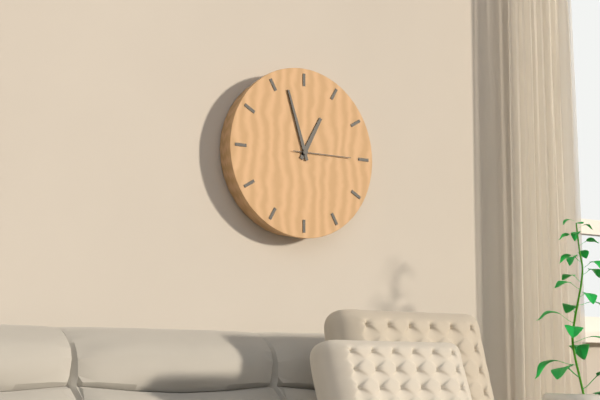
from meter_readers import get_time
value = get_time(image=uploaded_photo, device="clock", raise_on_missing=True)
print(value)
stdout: 12:57:15
